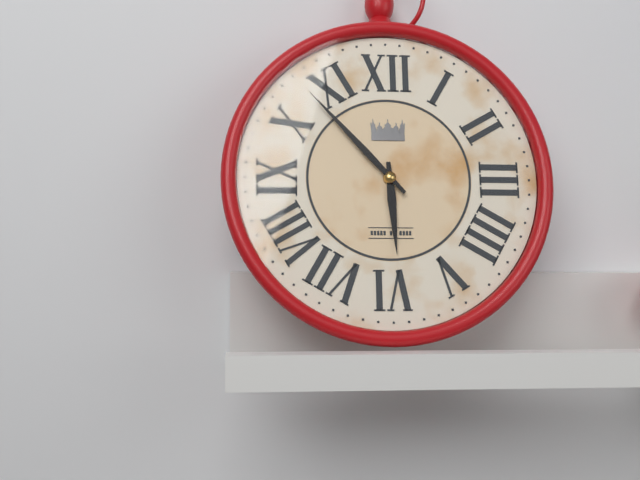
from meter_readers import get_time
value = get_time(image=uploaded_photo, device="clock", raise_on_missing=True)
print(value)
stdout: 5:53
